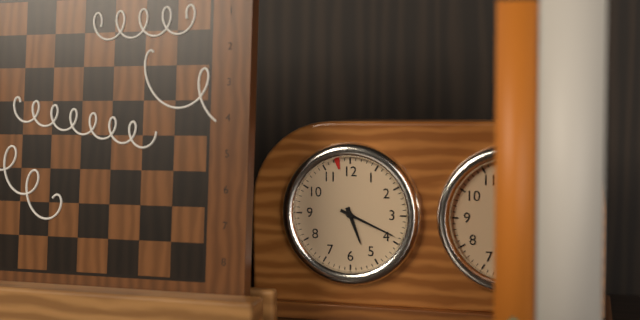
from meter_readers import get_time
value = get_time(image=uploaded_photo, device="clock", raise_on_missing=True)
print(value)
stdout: 5:19
